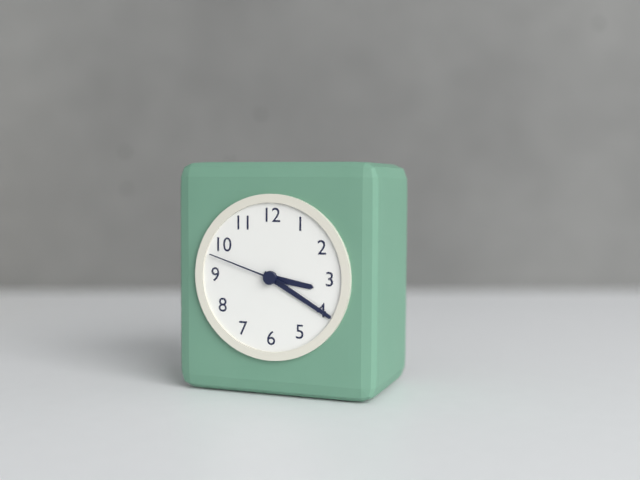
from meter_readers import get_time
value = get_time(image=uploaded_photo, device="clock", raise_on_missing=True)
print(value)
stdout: 3:20:48
